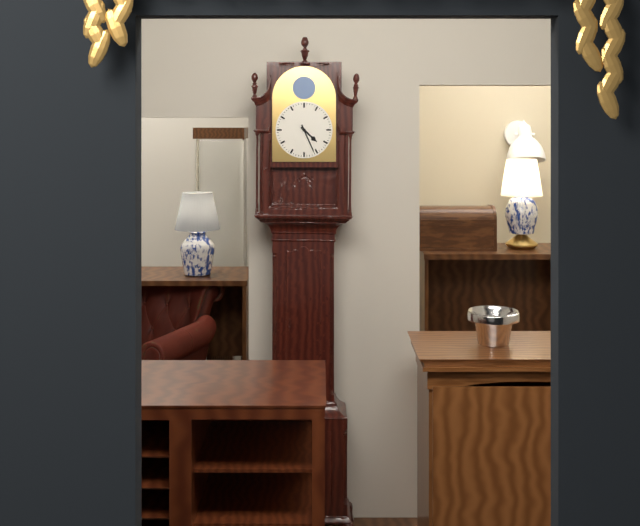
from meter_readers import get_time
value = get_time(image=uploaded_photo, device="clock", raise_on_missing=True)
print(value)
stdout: 4:26
